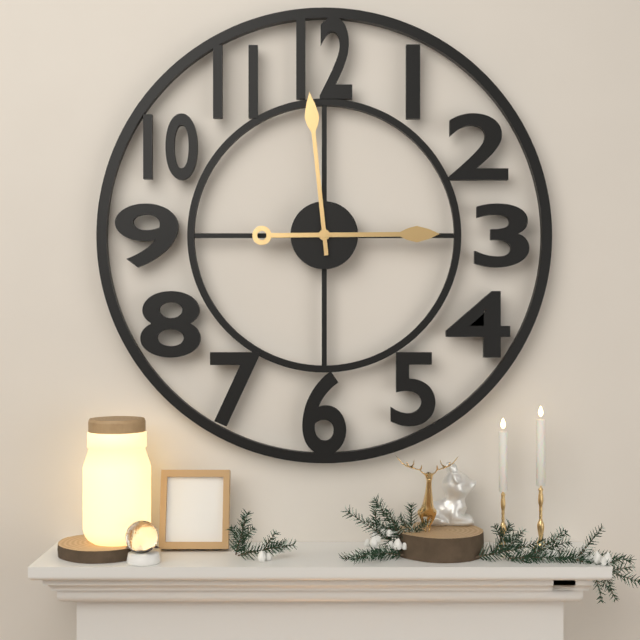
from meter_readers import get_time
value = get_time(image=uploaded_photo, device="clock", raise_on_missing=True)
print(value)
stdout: 2:59
